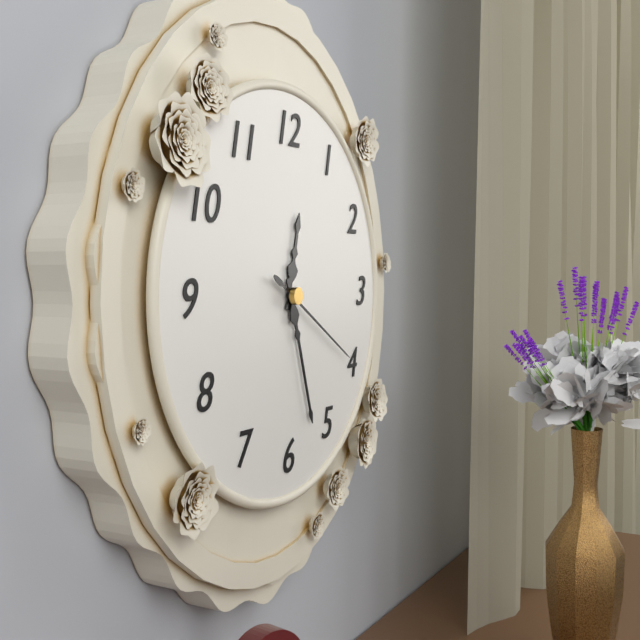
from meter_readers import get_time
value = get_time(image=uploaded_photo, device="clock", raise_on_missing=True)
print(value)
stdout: 12:27:20
